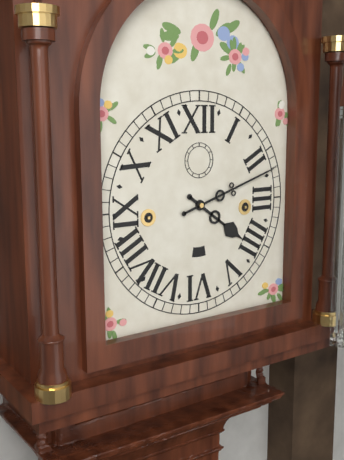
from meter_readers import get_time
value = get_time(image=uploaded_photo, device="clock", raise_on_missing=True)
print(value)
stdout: 4:12
